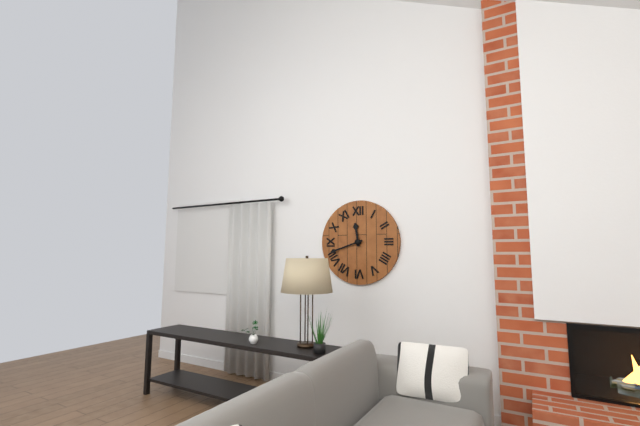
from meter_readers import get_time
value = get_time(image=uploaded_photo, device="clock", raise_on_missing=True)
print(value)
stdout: 11:42
